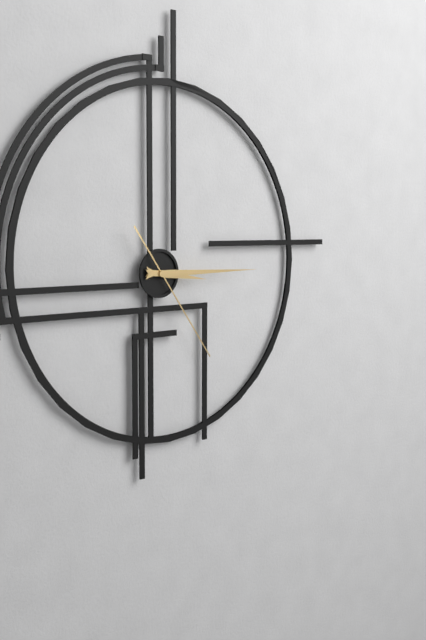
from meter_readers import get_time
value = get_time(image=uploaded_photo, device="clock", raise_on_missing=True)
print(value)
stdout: 3:15:24
